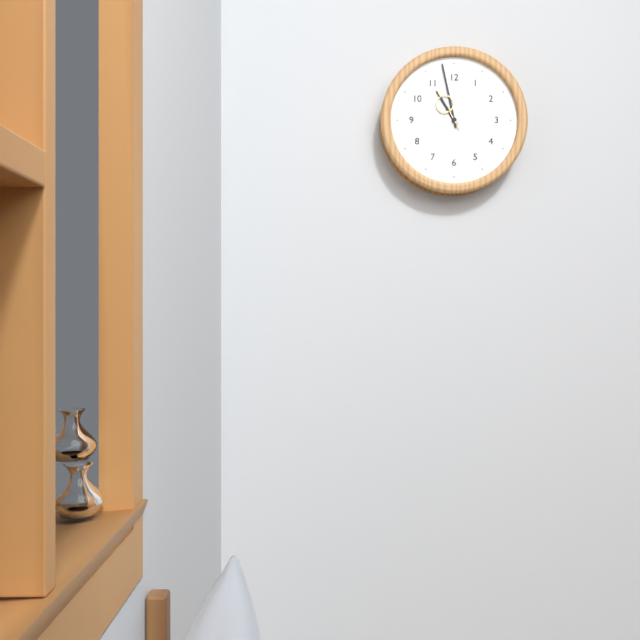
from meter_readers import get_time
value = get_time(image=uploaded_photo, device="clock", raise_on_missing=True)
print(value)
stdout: 10:58
